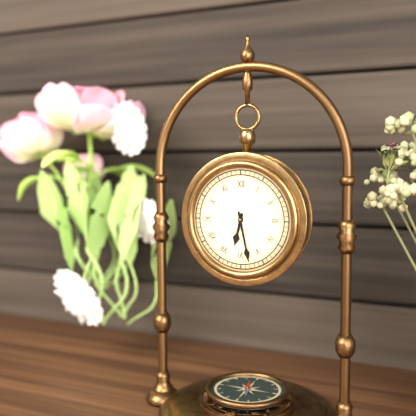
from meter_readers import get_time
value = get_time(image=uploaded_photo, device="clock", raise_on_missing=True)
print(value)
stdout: 6:28
